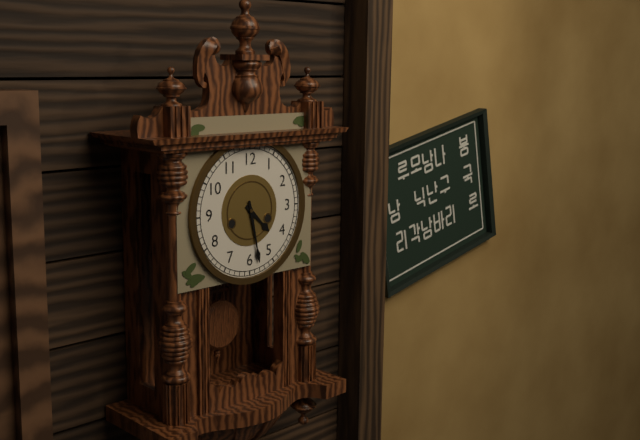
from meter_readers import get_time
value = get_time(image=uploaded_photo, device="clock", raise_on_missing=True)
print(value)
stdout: 4:28
